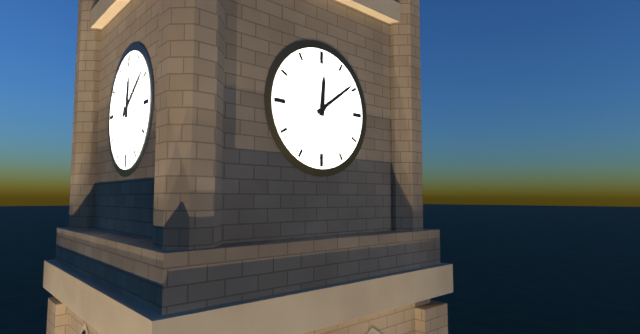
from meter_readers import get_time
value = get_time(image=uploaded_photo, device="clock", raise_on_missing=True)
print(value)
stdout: 12:09
